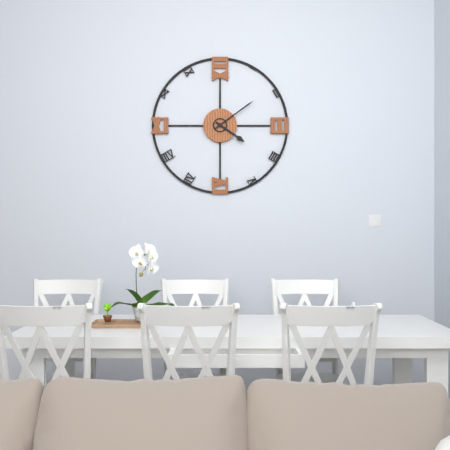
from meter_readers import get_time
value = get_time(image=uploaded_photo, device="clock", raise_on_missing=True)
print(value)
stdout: 4:09
